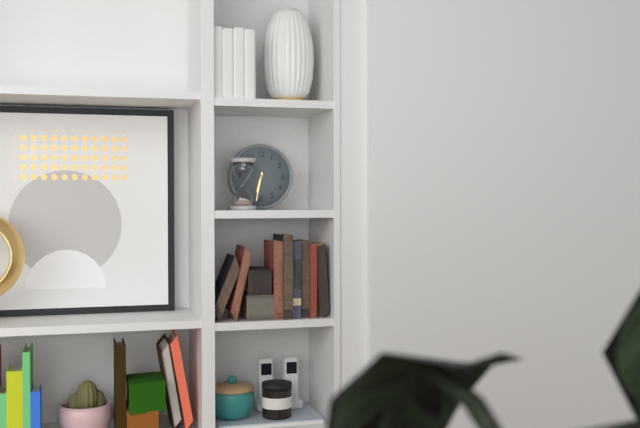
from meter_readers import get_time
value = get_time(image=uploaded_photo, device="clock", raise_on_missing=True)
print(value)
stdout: 6:32
